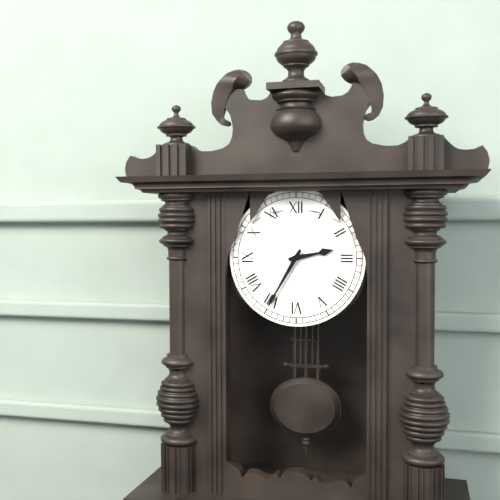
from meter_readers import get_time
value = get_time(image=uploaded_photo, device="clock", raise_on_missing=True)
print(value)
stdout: 2:35
